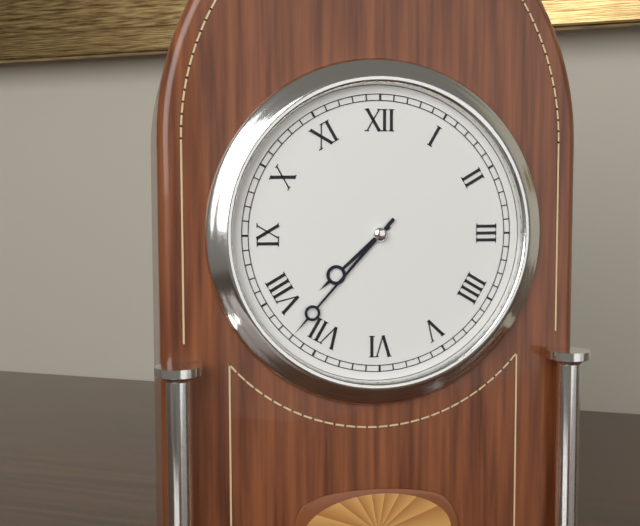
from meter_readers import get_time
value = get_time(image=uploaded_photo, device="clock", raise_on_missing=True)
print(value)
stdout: 7:37
